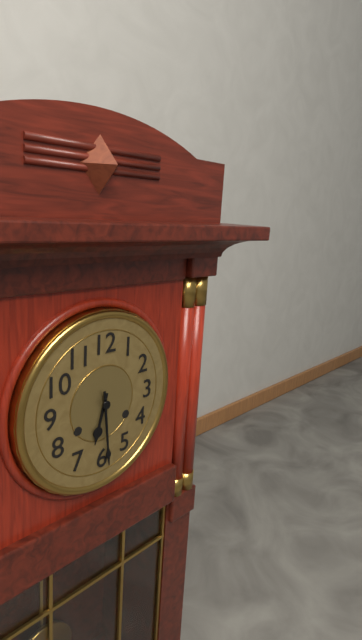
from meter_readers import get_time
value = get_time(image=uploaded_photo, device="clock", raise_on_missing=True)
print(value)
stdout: 6:29
